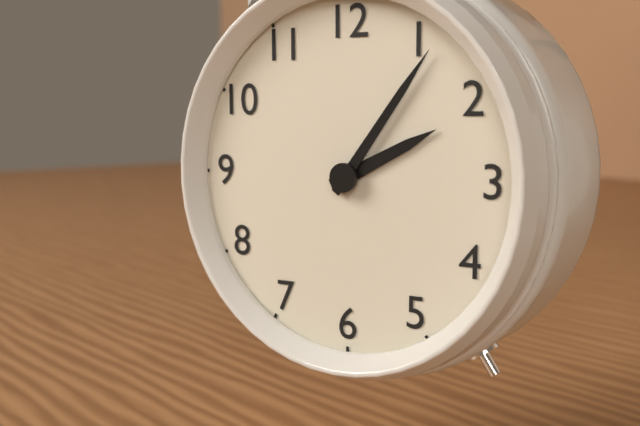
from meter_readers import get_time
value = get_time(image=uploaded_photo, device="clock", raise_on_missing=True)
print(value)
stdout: 2:06
